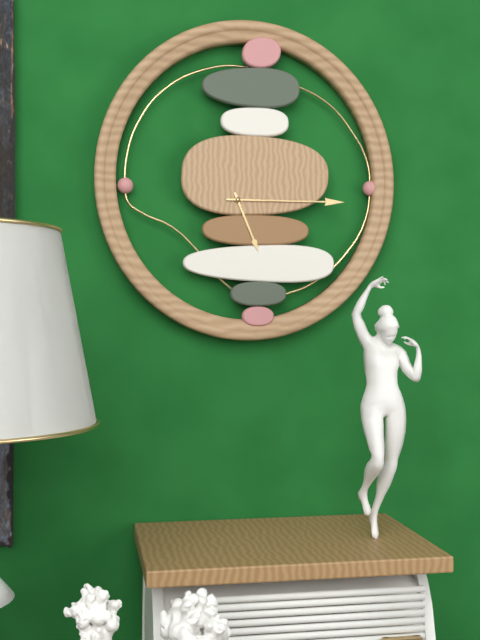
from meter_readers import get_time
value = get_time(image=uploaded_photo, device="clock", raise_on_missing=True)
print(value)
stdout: 5:15
